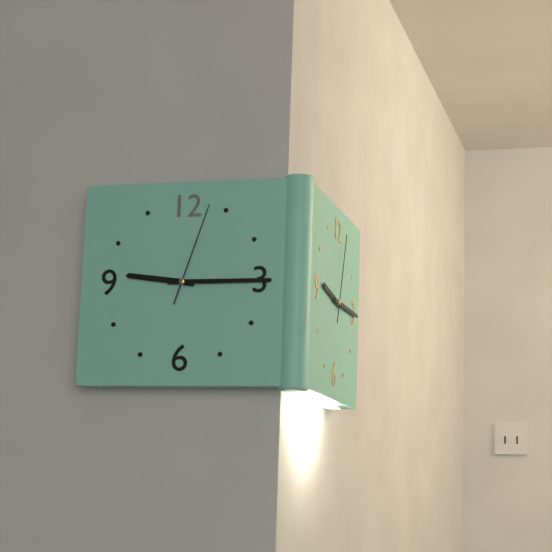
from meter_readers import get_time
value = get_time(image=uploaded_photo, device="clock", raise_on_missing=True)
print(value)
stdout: 9:15:03
